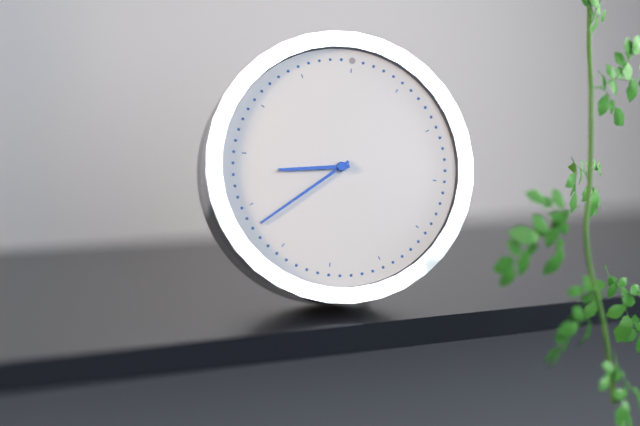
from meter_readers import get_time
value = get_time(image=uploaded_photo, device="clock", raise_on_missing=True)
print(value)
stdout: 8:38
